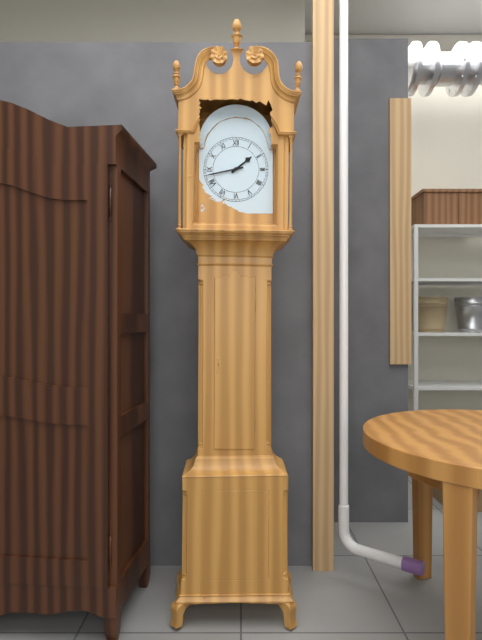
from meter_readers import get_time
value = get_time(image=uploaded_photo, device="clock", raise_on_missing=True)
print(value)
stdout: 1:43
